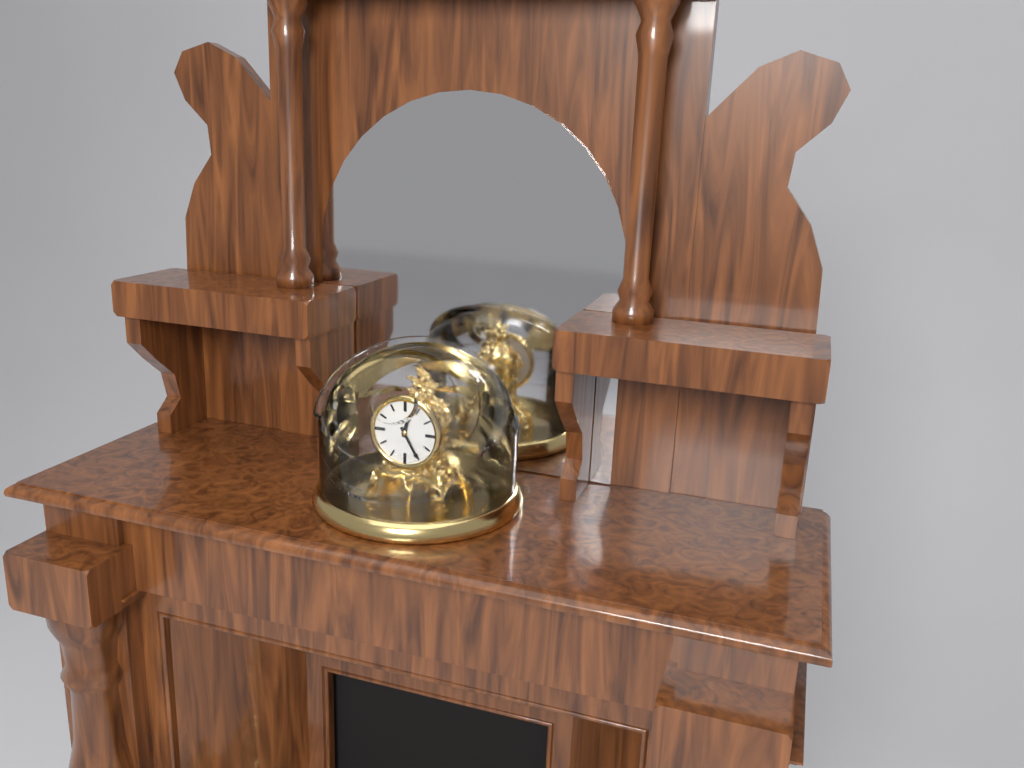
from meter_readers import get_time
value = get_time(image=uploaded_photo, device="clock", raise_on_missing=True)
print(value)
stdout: 12:25
